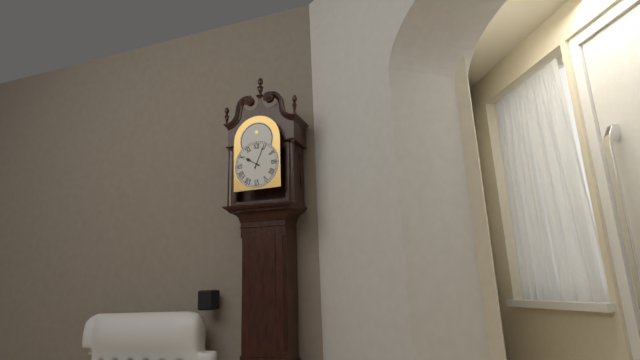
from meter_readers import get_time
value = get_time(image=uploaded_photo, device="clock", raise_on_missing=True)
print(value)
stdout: 10:04
